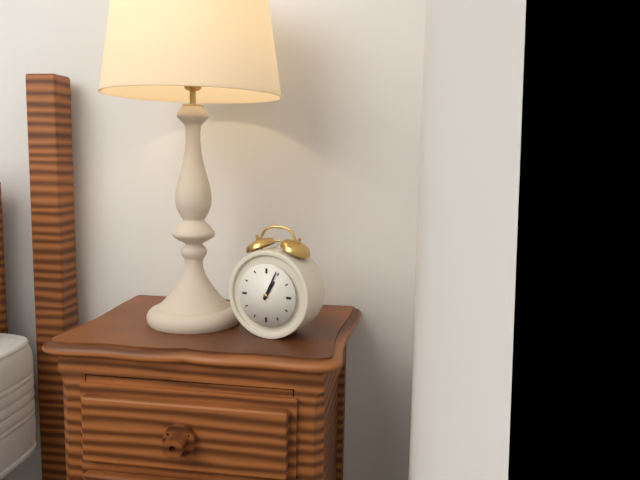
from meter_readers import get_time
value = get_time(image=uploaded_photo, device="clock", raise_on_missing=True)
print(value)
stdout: 1:04
